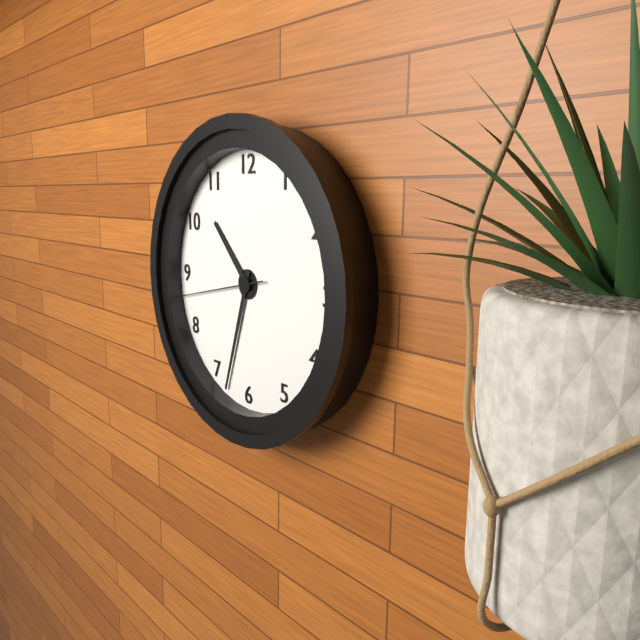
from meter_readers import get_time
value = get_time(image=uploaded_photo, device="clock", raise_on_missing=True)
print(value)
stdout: 10:33:43
